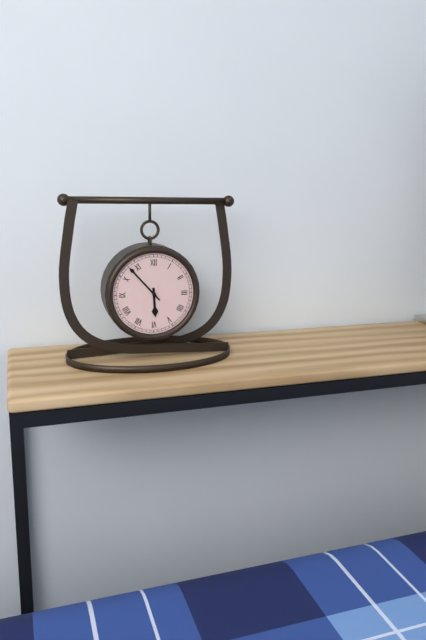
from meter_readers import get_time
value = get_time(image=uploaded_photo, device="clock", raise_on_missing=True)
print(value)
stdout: 5:53
